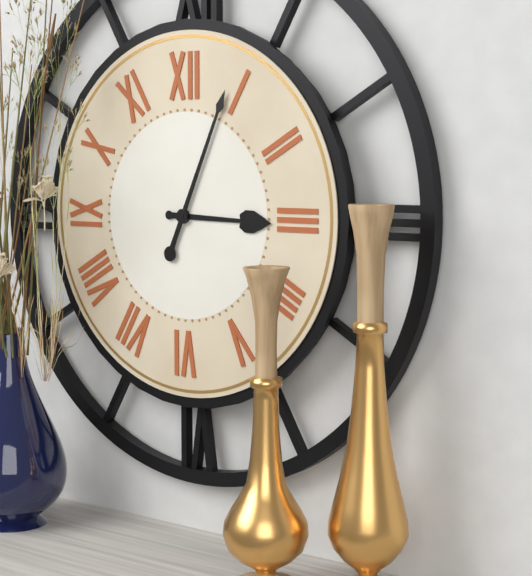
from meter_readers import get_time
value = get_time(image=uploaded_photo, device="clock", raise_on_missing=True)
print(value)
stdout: 3:04
